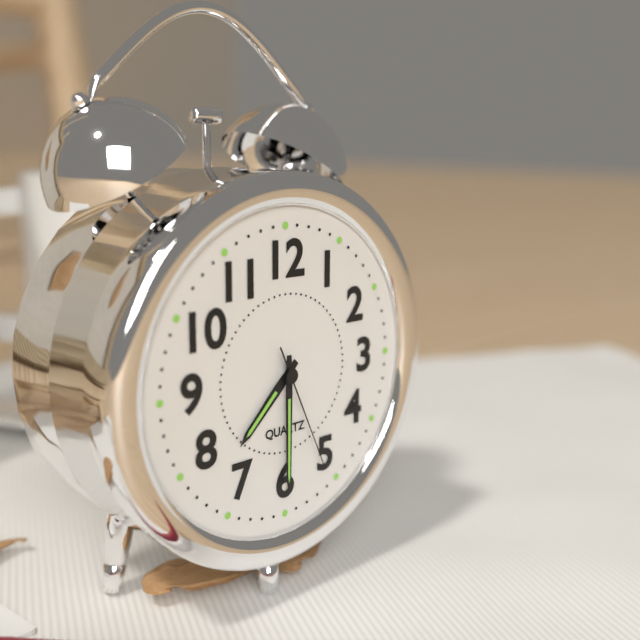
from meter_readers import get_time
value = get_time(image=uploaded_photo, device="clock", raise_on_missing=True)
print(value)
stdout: 7:30:26
